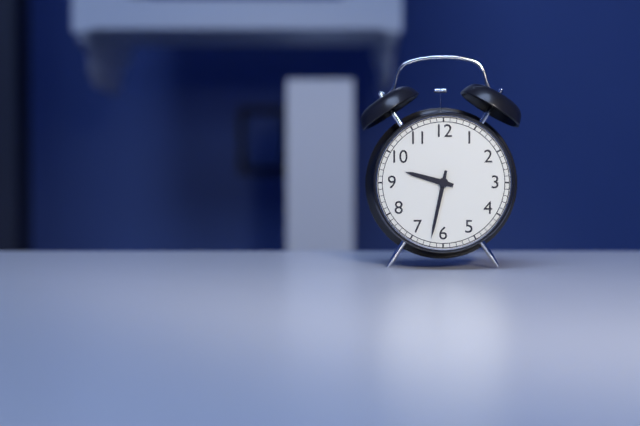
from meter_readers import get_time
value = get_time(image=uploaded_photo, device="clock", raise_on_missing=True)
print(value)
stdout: 9:32
